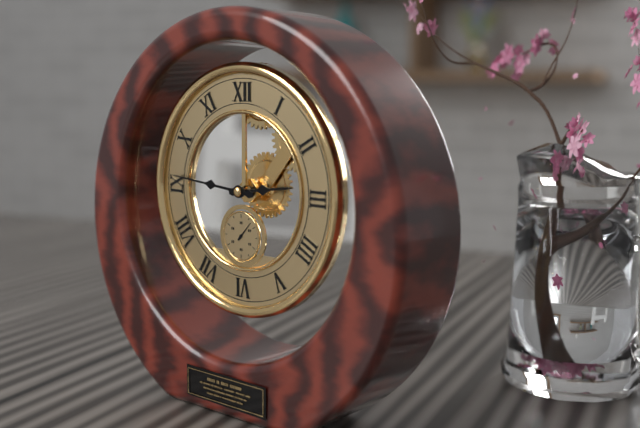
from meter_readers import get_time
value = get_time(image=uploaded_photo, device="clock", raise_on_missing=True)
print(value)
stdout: 2:46
